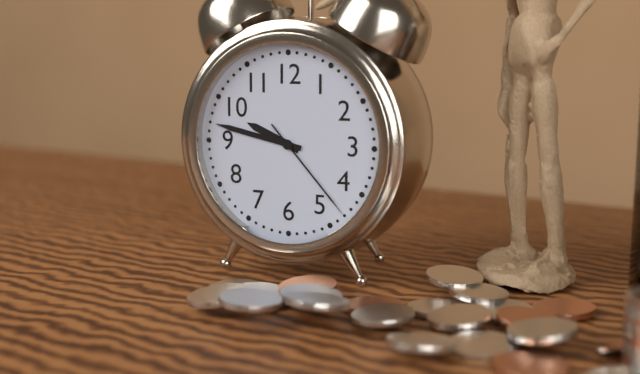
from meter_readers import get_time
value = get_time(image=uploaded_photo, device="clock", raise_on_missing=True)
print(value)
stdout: 9:47:23
